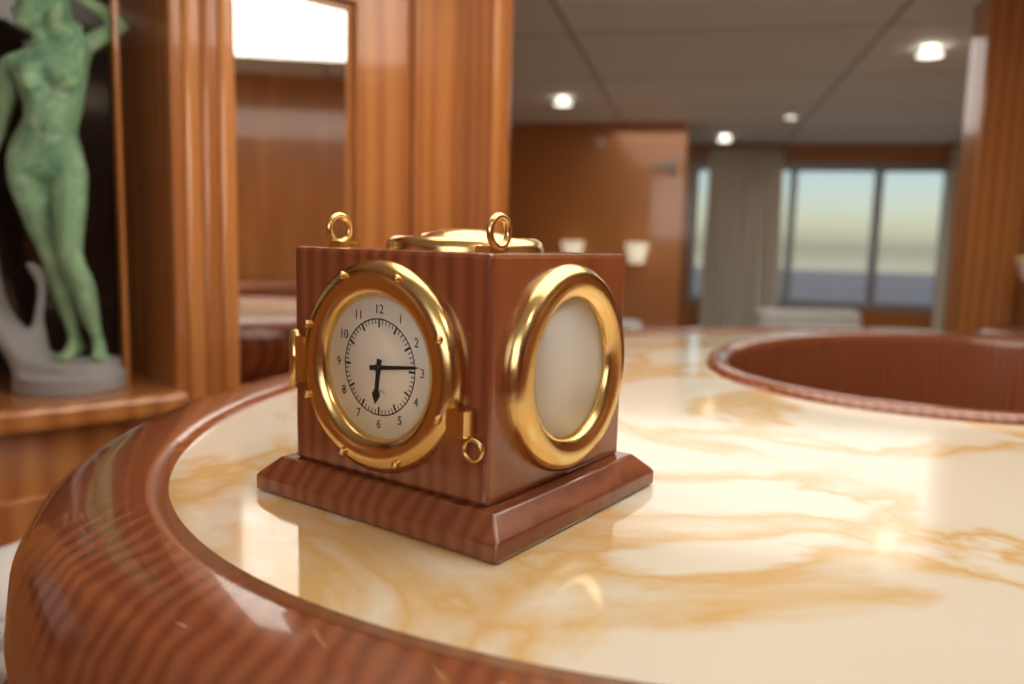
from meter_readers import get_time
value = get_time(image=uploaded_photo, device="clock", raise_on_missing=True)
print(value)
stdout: 6:14
